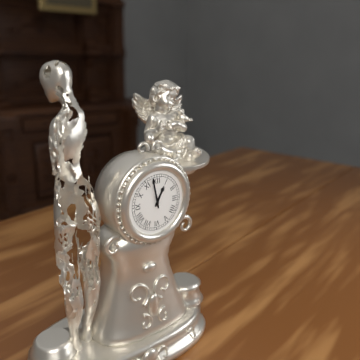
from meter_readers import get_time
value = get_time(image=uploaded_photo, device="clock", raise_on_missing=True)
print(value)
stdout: 12:58
